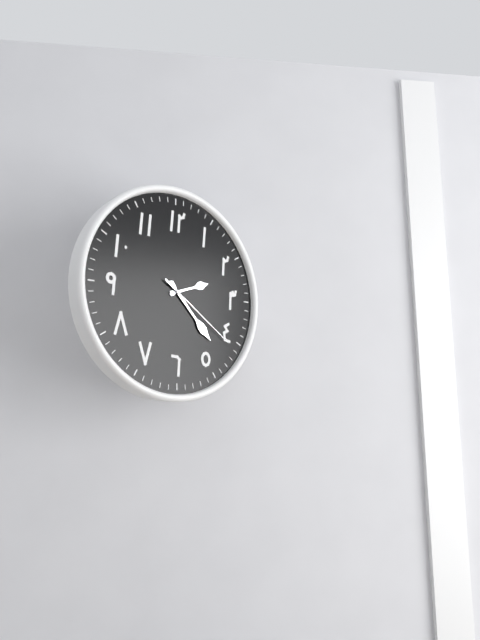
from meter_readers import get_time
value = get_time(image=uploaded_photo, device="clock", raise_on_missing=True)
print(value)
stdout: 2:23:21
